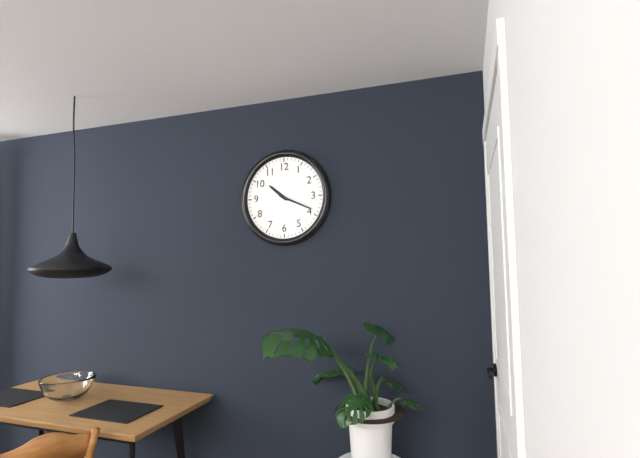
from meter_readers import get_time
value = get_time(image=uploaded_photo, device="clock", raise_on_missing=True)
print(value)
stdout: 10:19
